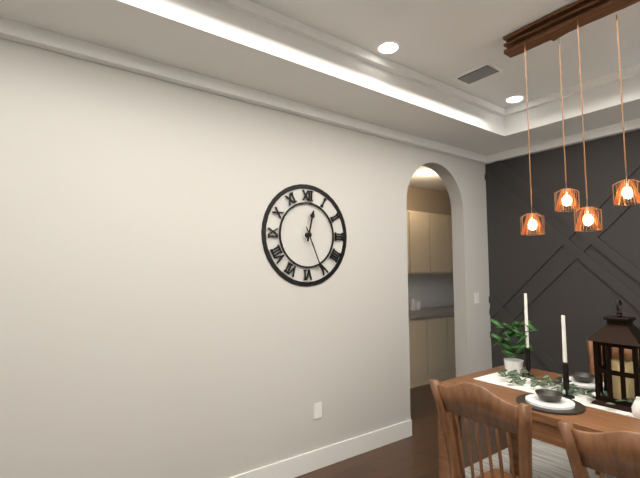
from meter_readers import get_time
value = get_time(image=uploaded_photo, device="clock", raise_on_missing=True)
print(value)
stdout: 12:26
